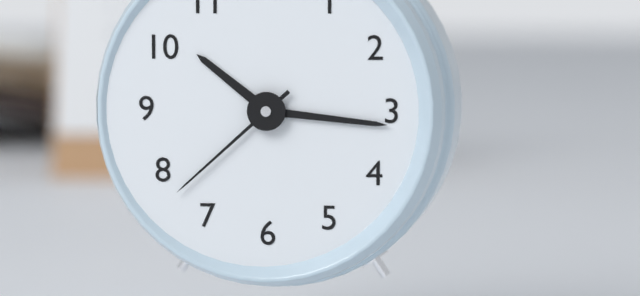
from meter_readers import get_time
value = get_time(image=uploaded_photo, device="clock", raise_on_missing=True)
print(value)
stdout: 10:16:38
